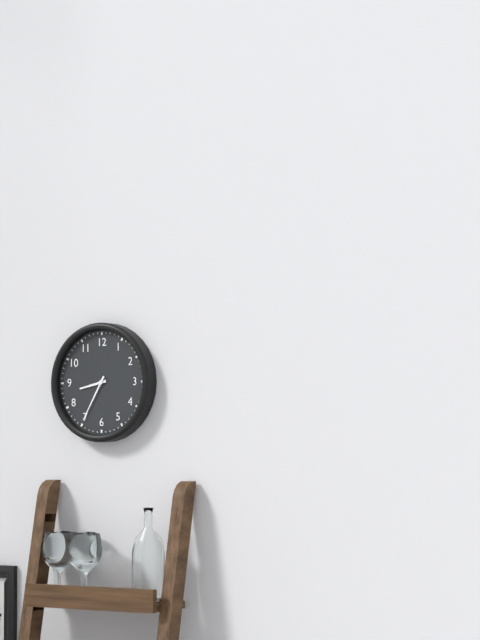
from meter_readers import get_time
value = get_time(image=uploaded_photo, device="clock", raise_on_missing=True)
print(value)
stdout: 8:35
